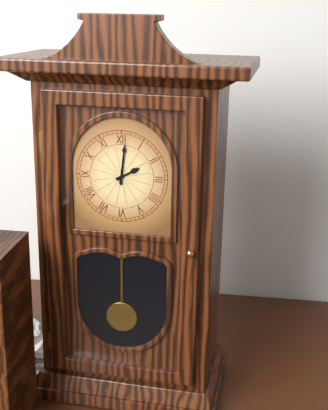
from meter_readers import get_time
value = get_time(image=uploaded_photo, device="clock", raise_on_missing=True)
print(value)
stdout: 2:01
